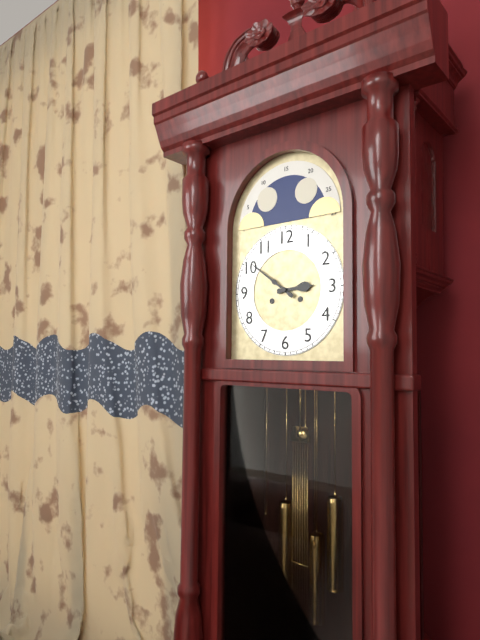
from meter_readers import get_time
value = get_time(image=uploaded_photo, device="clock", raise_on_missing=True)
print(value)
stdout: 2:51
